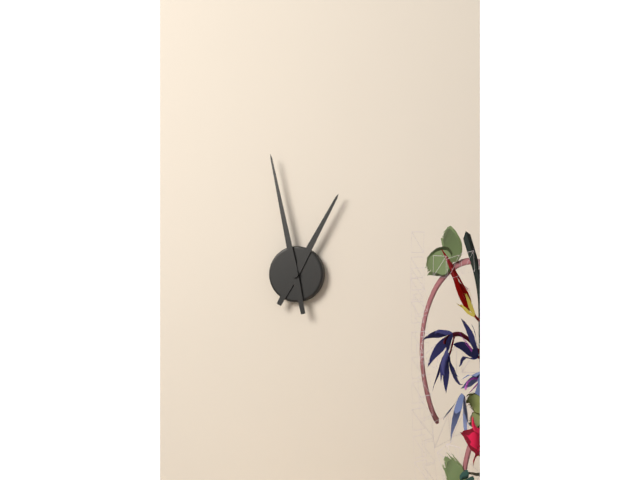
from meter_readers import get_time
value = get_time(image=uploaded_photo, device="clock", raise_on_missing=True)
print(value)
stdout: 12:58
